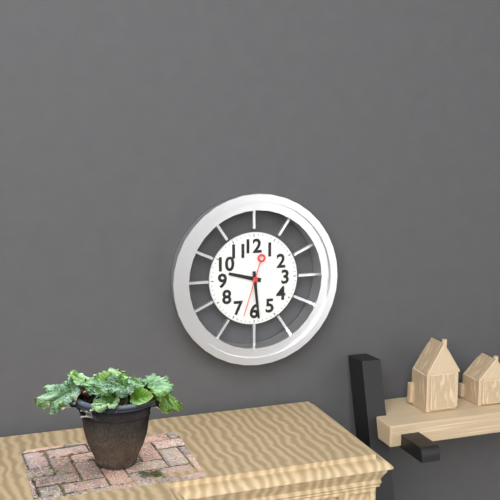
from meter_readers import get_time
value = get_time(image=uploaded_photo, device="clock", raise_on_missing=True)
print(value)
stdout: 9:29
